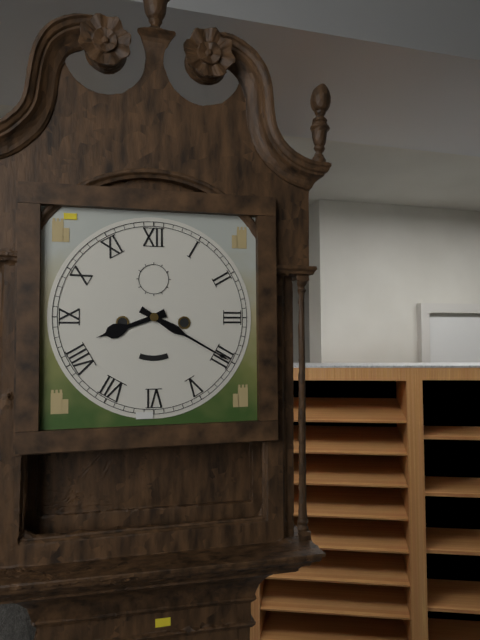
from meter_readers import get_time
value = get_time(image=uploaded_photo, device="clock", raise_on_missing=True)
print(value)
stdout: 8:20
